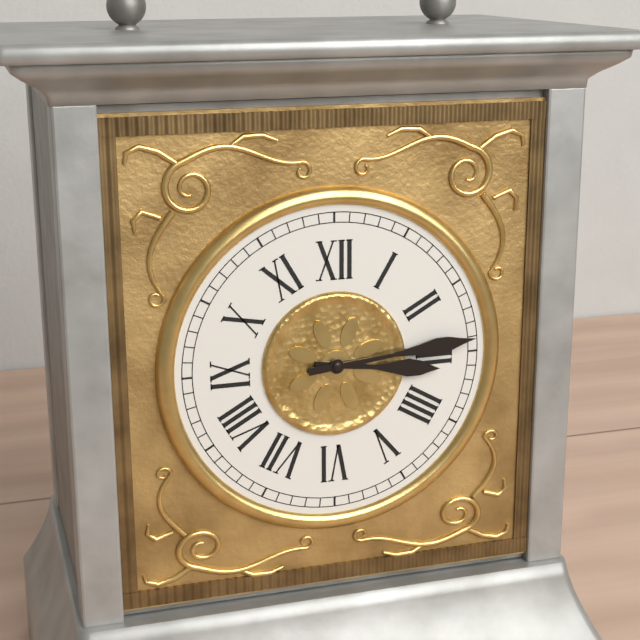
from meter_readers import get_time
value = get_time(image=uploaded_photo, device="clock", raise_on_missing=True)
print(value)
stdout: 3:14
